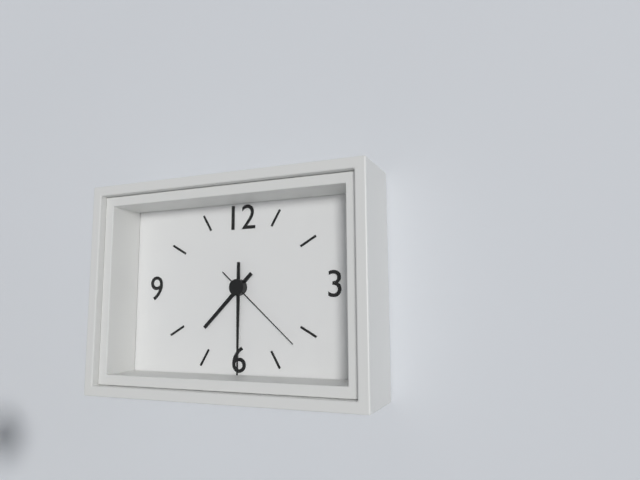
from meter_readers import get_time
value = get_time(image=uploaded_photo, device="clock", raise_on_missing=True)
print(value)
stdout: 7:30:22
